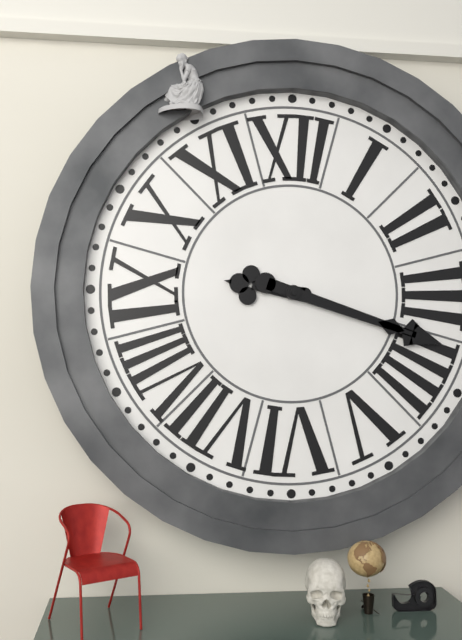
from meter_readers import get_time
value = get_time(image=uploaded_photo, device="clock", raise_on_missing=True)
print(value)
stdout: 9:18
